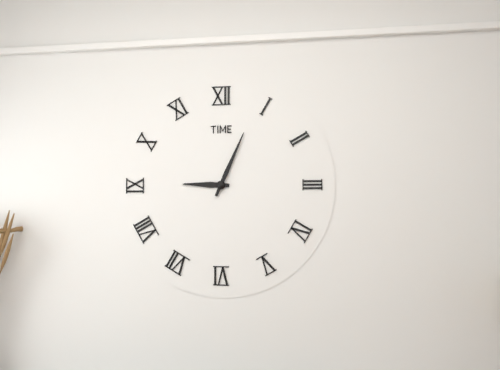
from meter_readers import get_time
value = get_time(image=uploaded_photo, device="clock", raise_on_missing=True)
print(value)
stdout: 9:04
